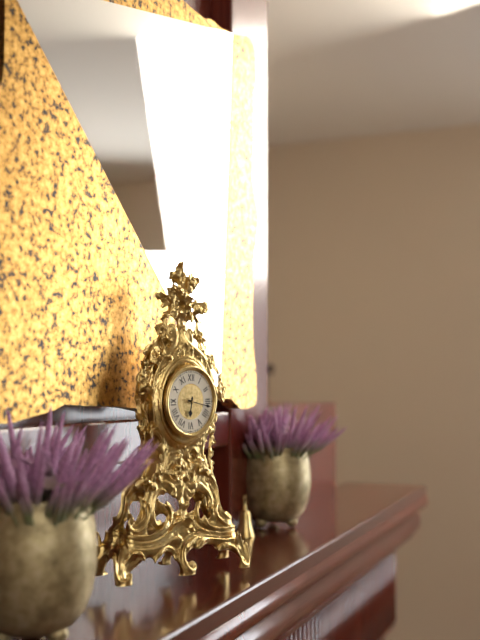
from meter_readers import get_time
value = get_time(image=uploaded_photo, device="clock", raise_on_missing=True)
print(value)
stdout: 6:17
